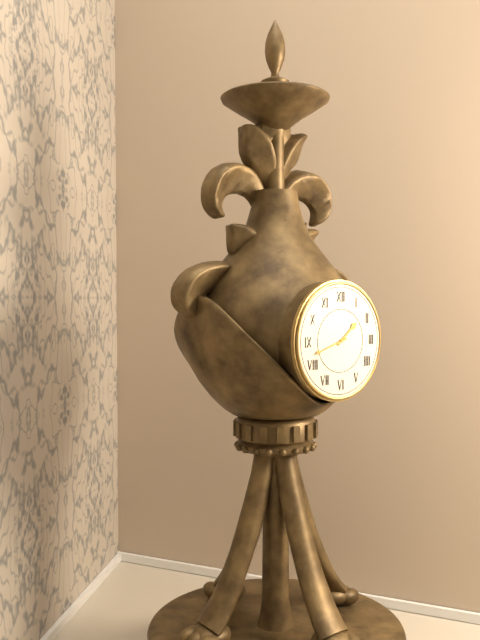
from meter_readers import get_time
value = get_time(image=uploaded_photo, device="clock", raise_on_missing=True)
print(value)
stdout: 1:42
